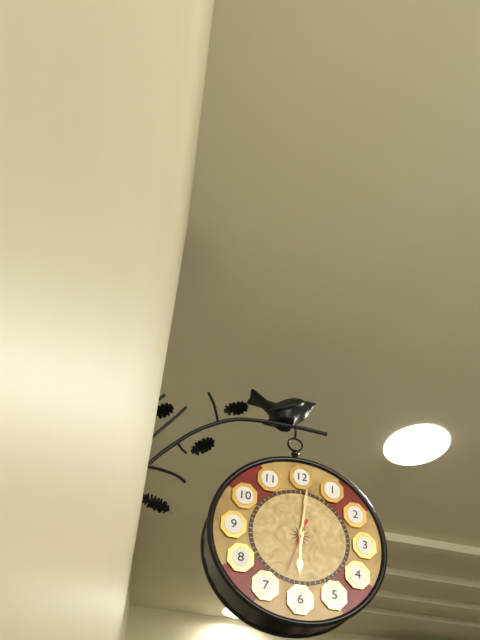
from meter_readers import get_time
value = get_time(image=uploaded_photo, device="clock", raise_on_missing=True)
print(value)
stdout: 6:01:33
